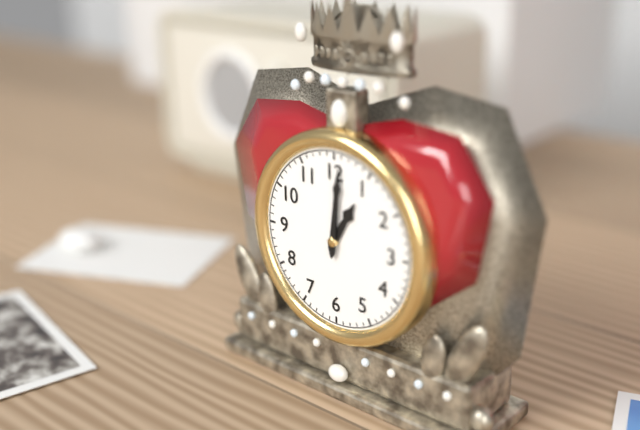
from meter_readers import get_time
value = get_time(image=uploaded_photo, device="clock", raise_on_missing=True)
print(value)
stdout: 1:01
